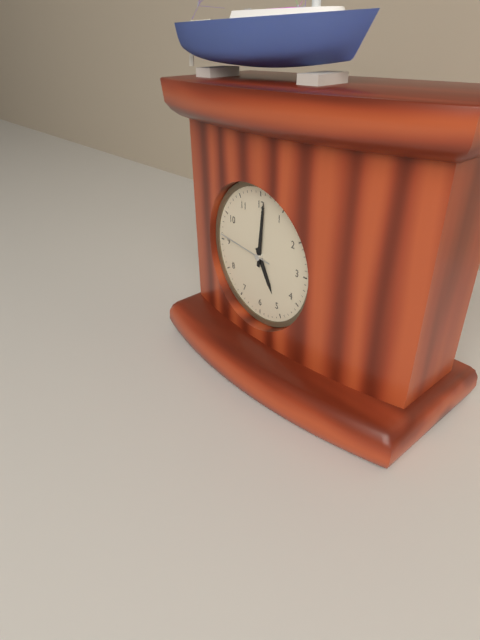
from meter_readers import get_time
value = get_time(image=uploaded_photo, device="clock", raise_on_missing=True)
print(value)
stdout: 5:01:46
